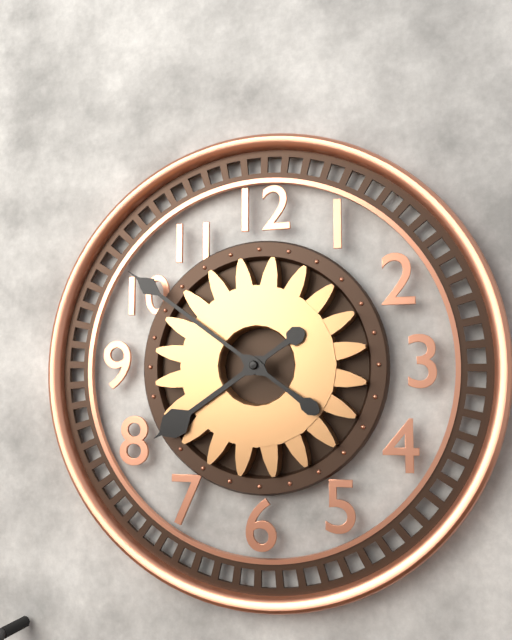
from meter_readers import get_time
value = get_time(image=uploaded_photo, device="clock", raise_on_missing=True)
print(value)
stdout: 7:51
